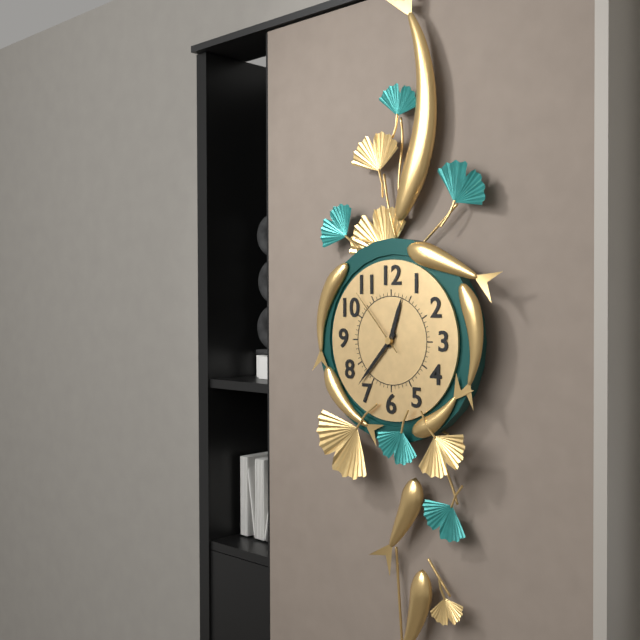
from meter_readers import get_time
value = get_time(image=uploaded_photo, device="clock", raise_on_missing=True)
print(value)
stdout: 12:37:53
